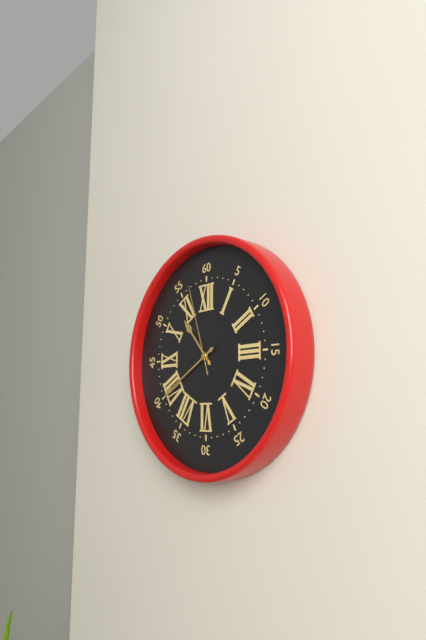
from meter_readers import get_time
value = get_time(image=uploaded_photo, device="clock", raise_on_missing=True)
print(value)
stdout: 10:40:57
